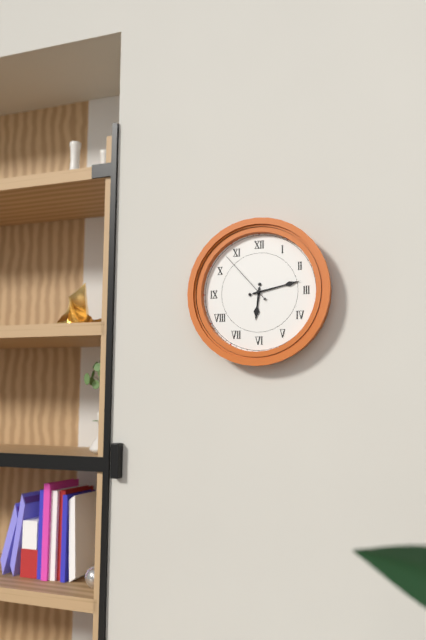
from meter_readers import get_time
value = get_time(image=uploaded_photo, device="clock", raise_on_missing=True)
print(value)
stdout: 6:13:53
